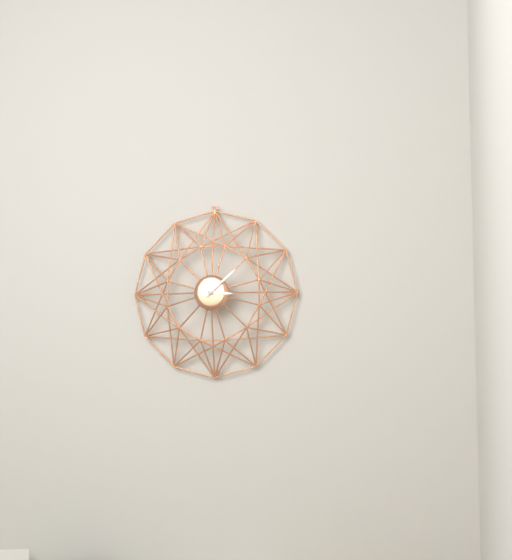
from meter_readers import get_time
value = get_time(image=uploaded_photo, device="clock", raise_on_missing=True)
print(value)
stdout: 3:08
